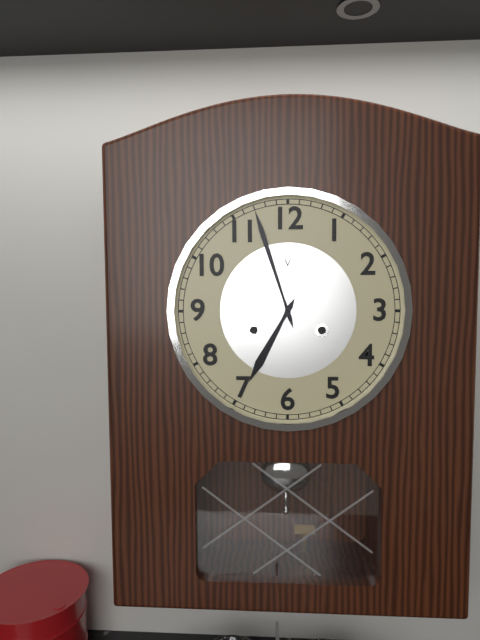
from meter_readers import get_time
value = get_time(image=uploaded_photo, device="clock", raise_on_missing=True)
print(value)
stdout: 6:57
